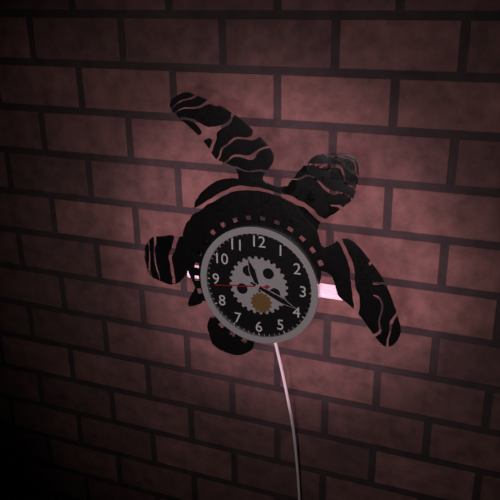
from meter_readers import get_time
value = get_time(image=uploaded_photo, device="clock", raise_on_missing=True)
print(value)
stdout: 11:19:44
